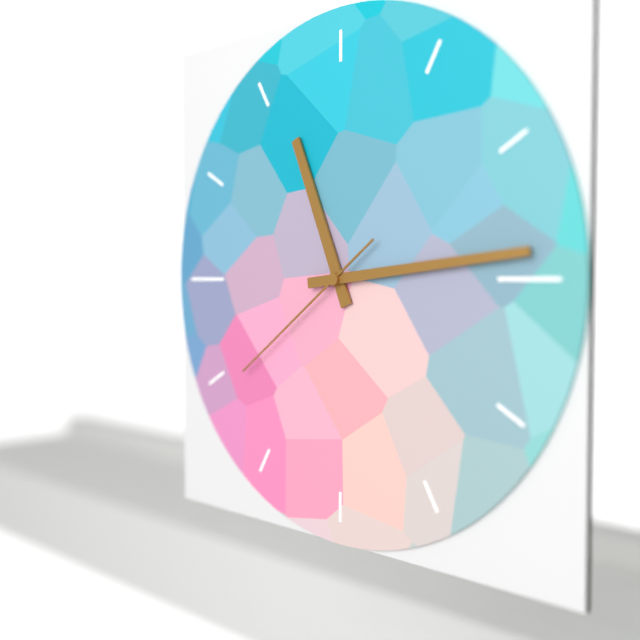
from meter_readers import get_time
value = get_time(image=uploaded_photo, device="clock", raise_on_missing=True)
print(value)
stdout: 11:14:39
